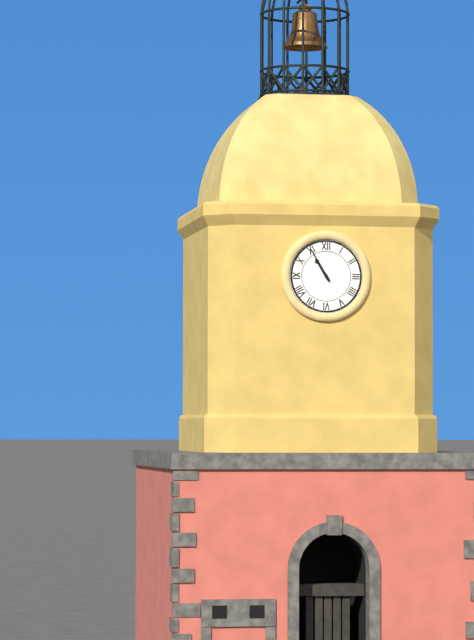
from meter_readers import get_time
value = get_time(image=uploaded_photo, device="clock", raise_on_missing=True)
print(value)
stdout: 10:55
